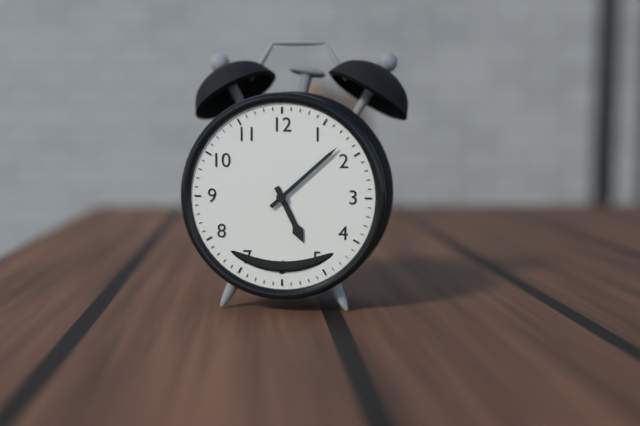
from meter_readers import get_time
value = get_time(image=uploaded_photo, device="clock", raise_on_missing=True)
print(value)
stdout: 5:08
